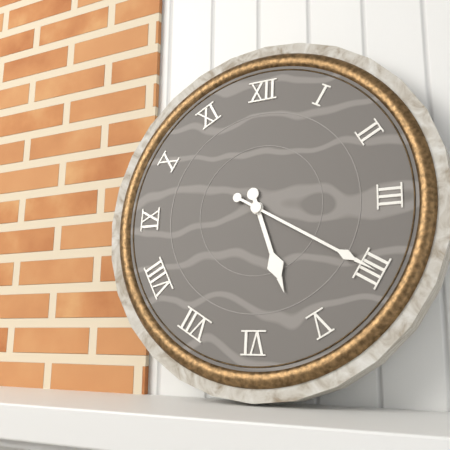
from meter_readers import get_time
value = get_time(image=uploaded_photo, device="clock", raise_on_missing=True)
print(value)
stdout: 5:20
